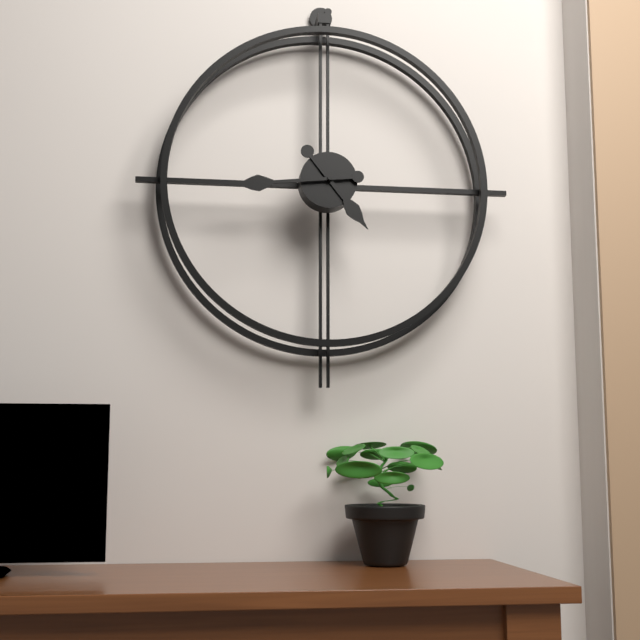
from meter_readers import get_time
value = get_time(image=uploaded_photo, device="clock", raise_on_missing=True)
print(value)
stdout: 4:44
